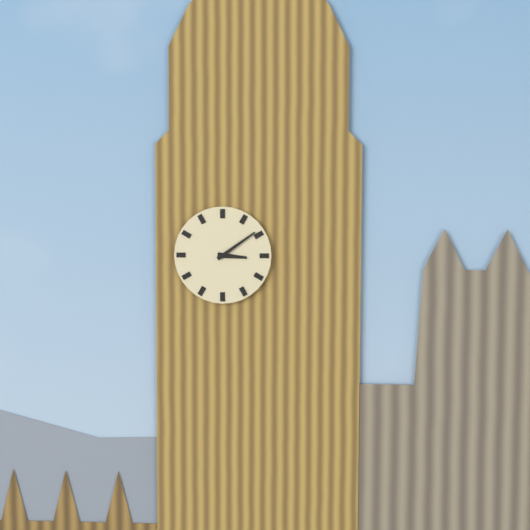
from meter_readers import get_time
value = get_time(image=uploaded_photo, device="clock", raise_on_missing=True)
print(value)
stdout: 3:09
